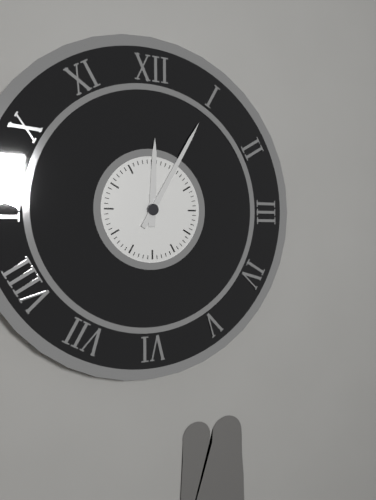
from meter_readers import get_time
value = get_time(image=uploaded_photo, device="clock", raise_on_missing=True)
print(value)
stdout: 12:05
